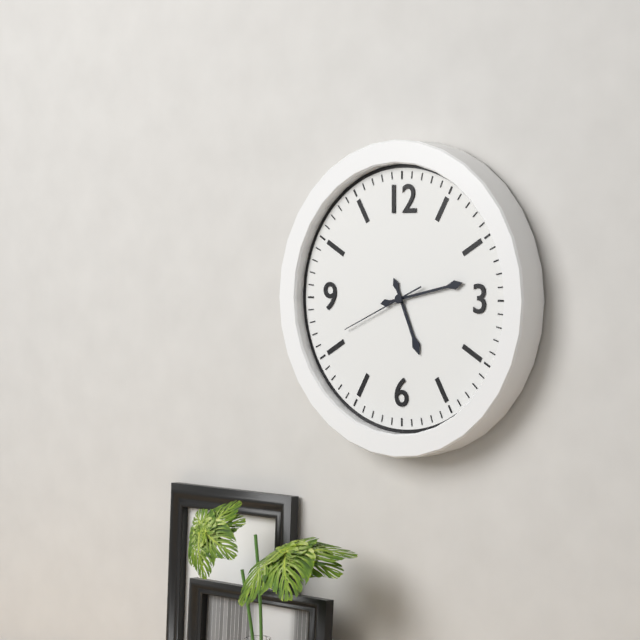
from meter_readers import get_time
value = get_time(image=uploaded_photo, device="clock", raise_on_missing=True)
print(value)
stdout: 5:13:41
